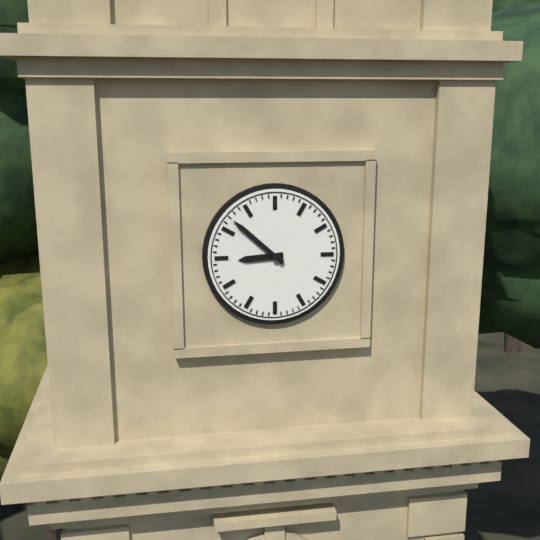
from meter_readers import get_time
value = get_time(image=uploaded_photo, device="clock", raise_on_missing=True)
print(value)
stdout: 8:52
